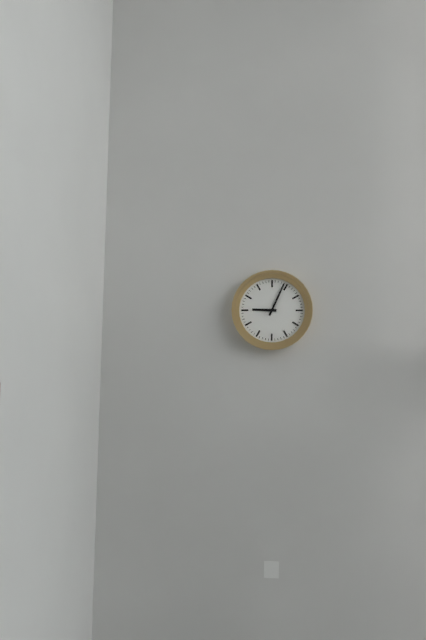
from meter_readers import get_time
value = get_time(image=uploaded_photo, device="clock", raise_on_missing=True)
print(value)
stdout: 9:04
